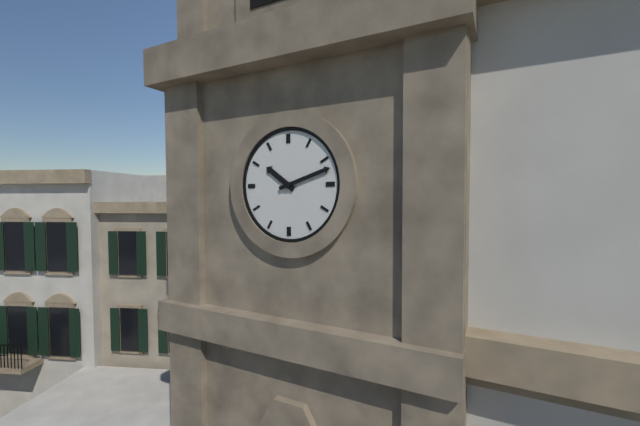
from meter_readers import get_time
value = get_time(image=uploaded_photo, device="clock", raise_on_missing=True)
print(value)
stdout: 10:12
